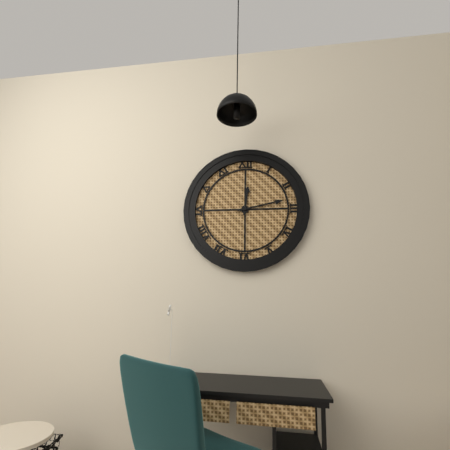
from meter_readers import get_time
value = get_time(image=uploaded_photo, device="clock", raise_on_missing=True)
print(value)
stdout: 12:13
